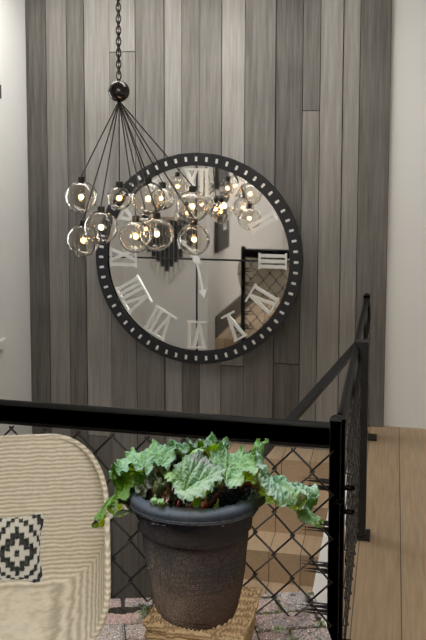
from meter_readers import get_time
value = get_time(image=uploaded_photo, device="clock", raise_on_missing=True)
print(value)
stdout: 10:28
